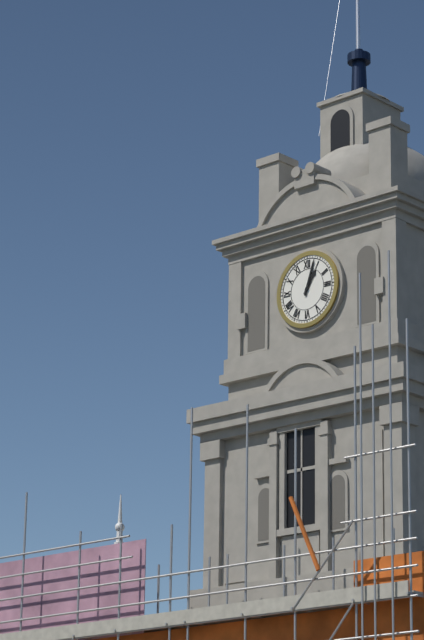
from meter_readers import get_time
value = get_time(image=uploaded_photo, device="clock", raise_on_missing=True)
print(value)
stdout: 1:03
